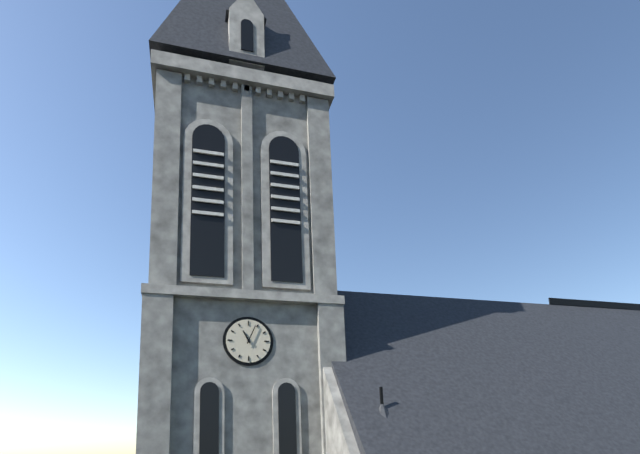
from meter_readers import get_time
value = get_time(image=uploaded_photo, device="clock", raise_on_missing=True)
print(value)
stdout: 11:04
